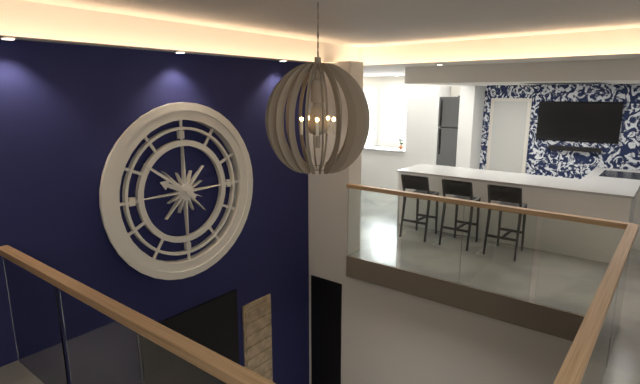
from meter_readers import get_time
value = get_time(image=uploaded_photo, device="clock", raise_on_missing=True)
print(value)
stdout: 9:51
